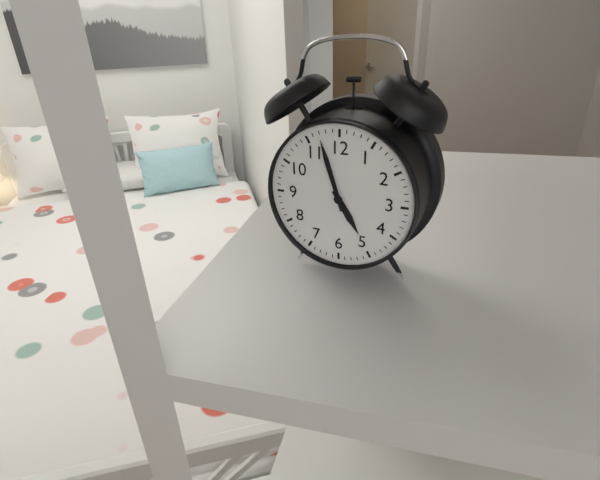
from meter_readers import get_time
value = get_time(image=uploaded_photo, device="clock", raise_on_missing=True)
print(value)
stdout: 4:57
